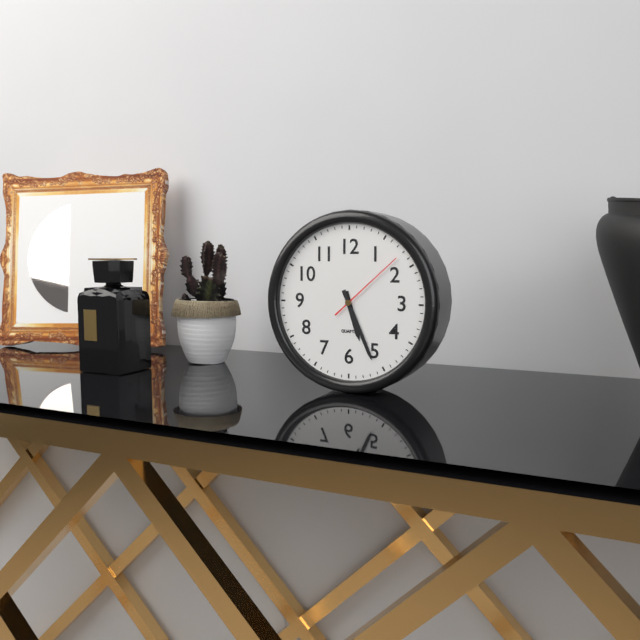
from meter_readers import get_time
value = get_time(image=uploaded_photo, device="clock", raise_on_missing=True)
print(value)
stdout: 5:26:08
